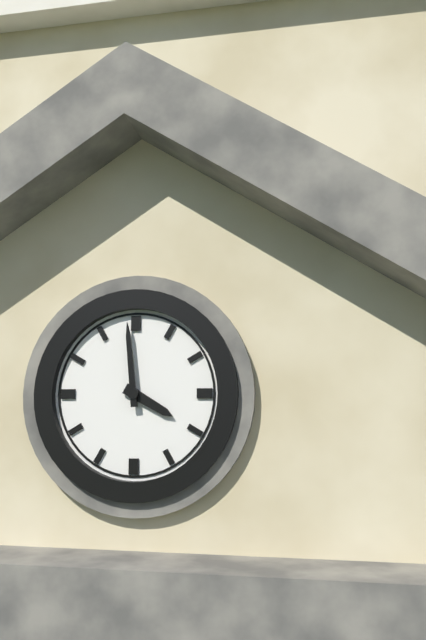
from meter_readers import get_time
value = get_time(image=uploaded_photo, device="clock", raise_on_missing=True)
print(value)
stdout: 3:59
